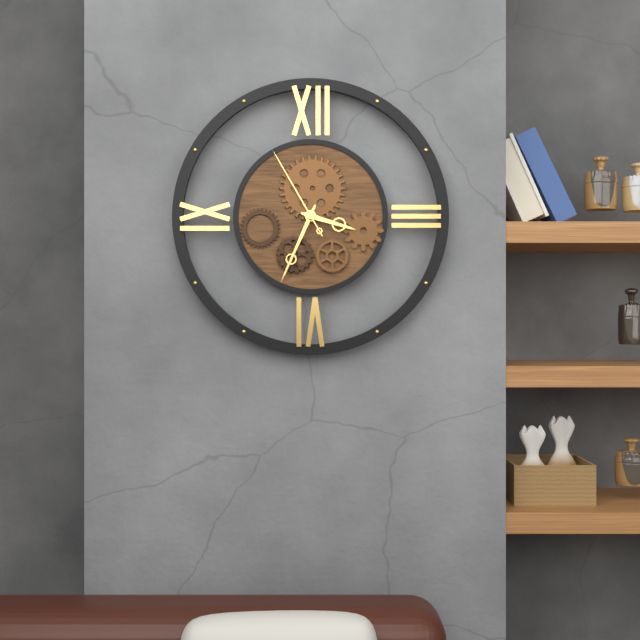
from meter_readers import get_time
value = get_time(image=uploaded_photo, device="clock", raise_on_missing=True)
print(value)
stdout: 3:34:55
